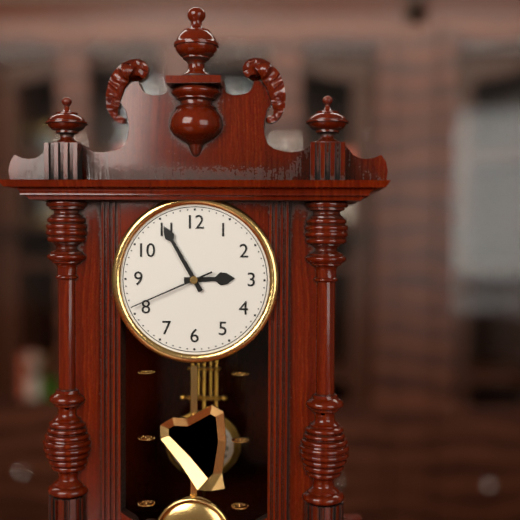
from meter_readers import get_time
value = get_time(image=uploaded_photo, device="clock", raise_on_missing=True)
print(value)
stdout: 2:55:41
